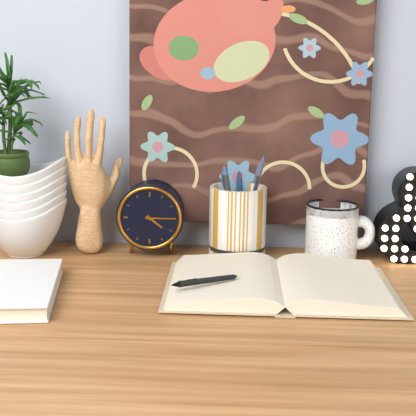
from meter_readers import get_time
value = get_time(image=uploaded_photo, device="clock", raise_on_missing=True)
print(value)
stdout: 4:15
